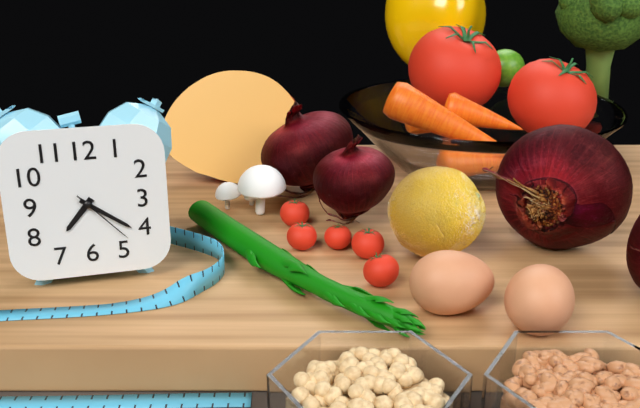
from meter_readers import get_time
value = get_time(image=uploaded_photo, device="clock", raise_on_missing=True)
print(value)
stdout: 7:21:23
